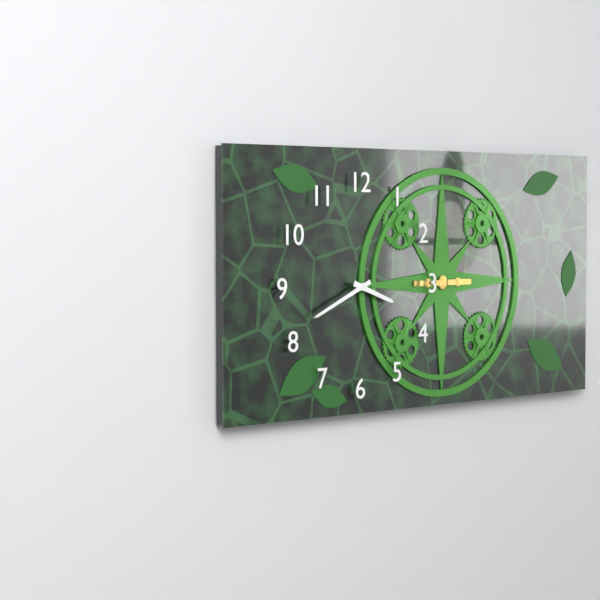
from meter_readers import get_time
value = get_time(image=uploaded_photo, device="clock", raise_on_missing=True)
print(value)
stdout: 3:41
